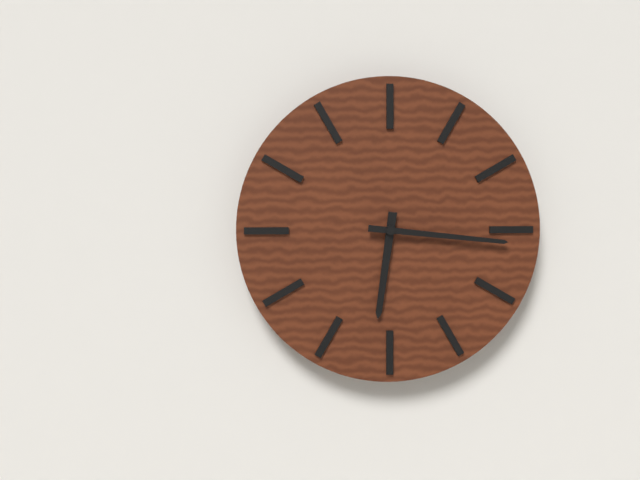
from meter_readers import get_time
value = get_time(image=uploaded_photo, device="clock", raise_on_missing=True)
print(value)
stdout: 6:16
